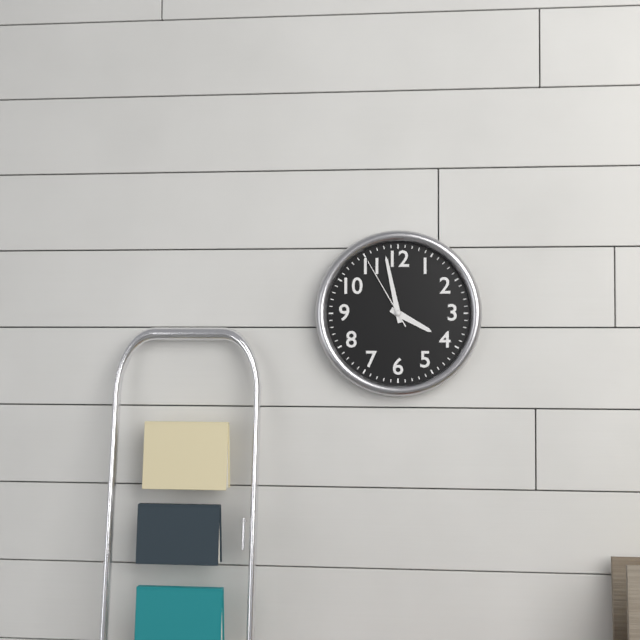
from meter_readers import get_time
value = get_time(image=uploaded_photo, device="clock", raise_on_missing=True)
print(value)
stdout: 3:58:55
